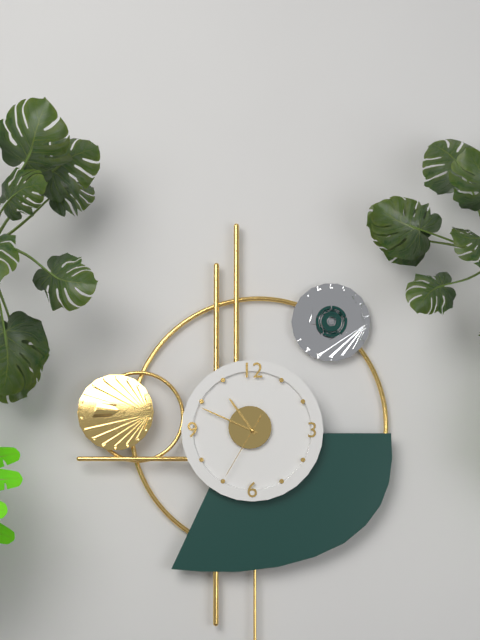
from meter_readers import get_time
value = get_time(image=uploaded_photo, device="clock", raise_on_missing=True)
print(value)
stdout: 10:49:35
